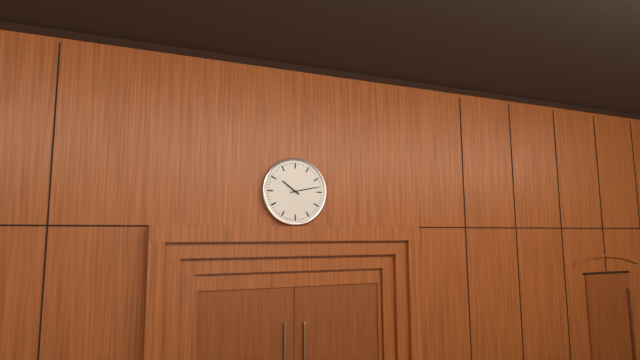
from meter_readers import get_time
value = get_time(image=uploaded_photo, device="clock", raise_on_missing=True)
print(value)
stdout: 10:13
